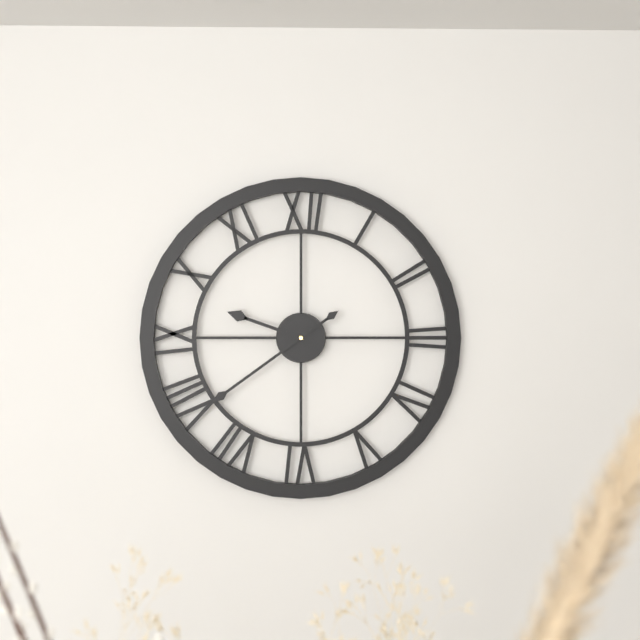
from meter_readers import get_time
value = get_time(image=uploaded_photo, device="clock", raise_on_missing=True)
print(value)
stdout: 9:39
